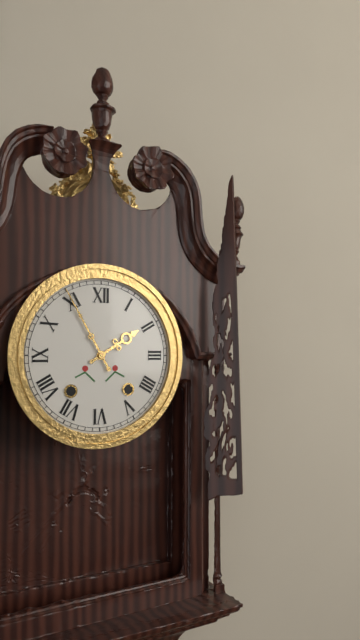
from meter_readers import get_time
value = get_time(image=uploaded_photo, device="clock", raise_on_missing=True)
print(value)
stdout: 1:55
